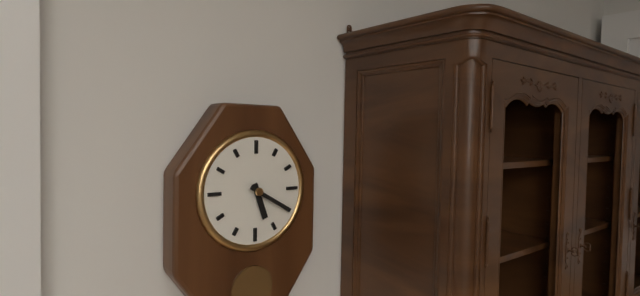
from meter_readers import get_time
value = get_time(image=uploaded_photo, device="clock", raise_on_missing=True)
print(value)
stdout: 5:20
